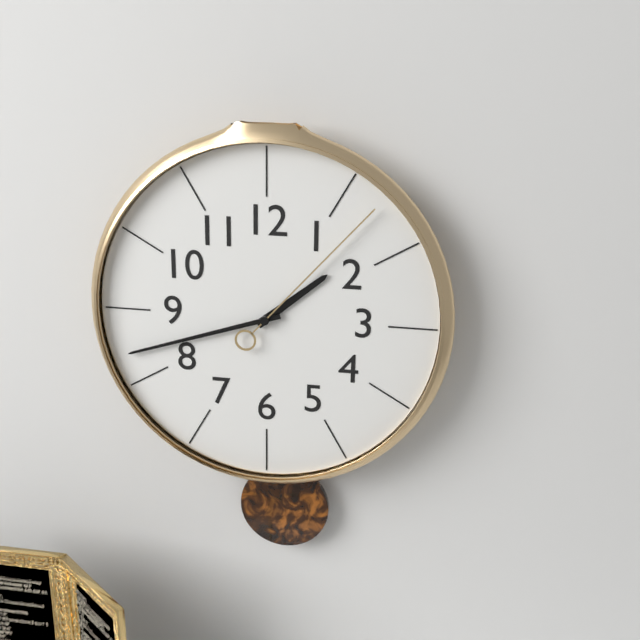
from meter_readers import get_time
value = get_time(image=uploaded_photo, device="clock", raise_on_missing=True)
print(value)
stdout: 1:42:07
